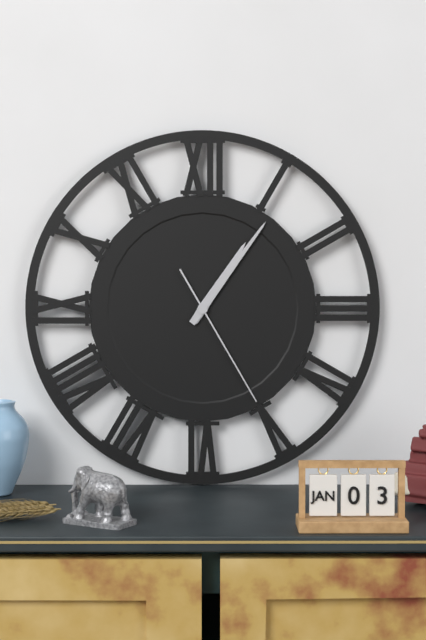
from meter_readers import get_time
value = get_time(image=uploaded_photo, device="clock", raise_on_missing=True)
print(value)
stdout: 1:06:25
